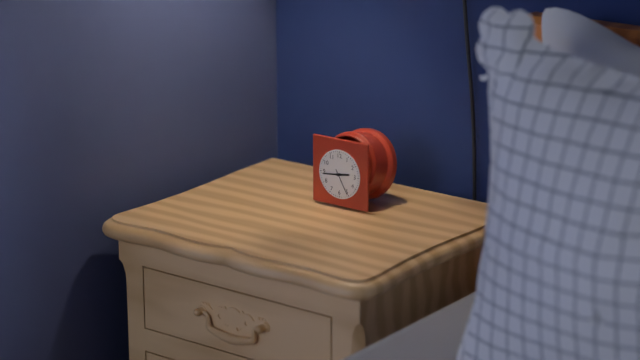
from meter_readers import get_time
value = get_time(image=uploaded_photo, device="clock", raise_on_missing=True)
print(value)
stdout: 2:44
